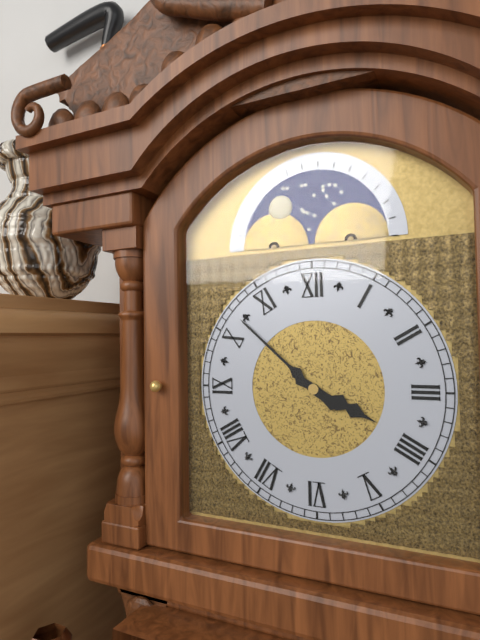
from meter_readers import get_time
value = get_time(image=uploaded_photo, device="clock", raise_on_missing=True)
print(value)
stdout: 3:52
